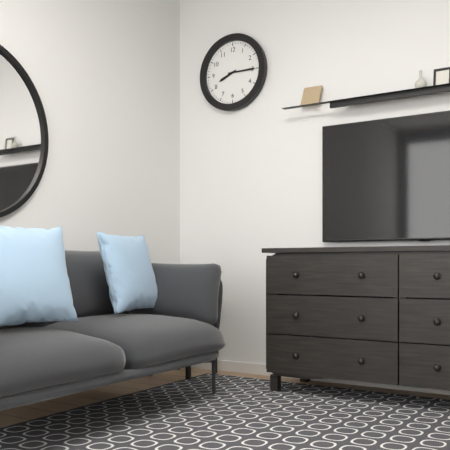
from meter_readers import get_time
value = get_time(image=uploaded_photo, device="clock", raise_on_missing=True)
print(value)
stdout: 8:15
